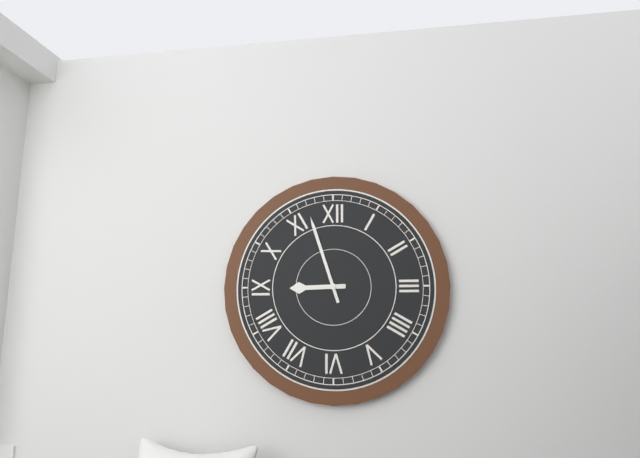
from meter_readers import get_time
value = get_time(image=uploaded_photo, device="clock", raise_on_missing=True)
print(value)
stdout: 8:57
